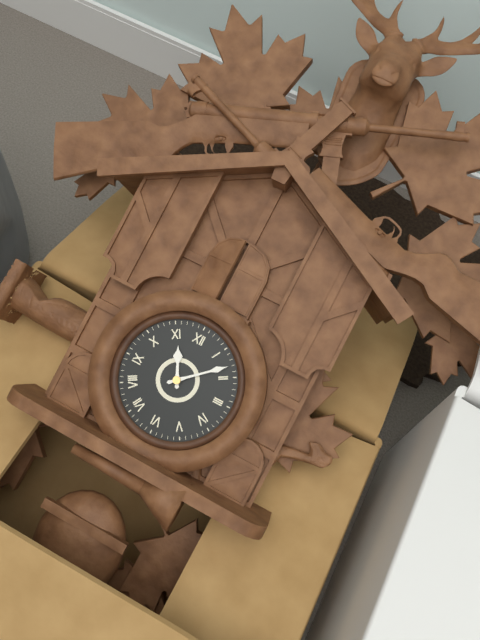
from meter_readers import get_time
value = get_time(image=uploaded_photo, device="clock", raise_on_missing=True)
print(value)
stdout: 11:08
